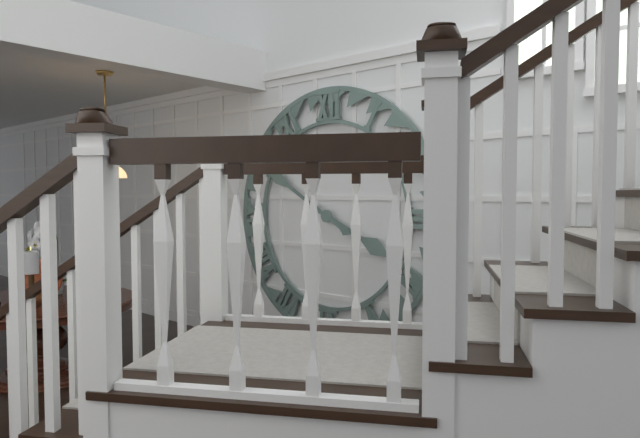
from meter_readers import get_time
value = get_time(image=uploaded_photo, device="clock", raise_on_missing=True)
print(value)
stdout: 3:50
